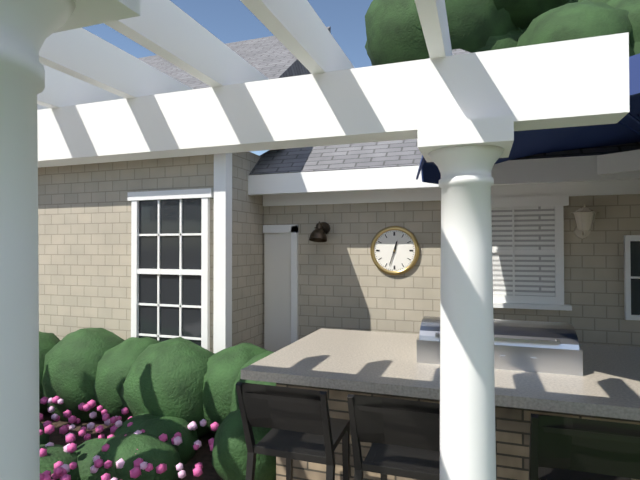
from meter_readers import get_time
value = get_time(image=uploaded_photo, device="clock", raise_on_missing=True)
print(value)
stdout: 12:33
